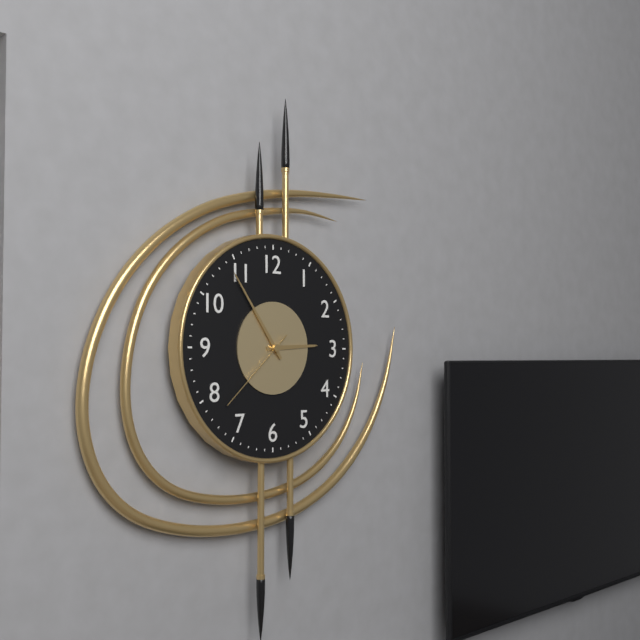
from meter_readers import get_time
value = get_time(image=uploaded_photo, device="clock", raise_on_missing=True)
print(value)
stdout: 2:54:38
